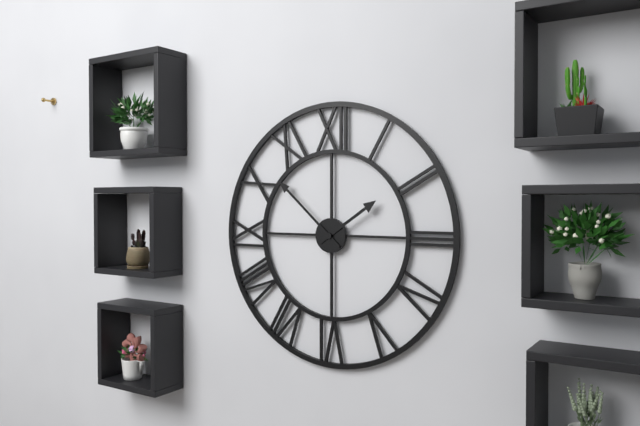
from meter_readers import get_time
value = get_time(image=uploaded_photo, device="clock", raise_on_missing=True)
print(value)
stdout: 1:52
